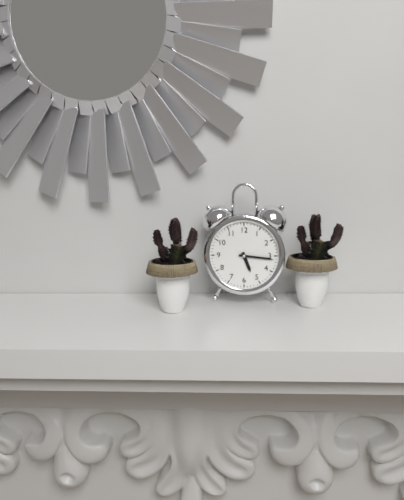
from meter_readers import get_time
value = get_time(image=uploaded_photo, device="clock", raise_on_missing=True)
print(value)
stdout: 5:16
